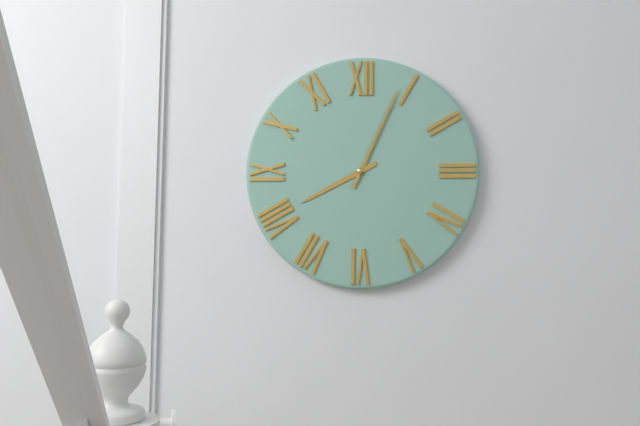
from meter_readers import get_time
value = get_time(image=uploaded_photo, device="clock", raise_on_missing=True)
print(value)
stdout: 8:04
